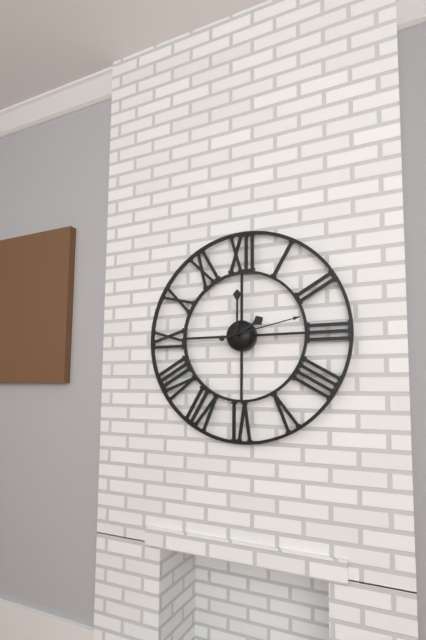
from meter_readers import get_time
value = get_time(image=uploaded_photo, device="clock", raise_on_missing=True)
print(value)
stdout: 2:00:13
